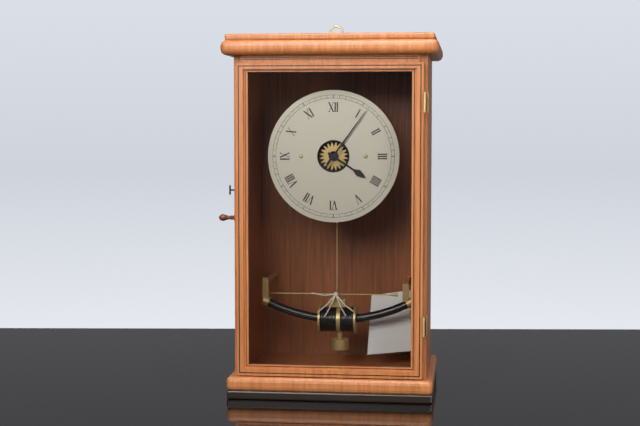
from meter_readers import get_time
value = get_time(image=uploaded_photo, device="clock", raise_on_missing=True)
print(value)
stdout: 4:06
